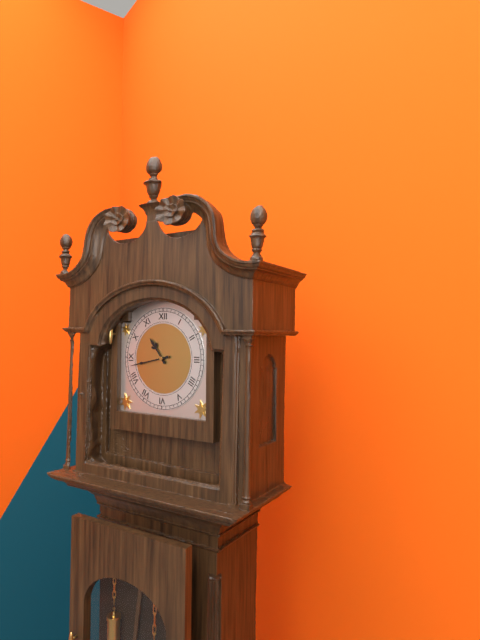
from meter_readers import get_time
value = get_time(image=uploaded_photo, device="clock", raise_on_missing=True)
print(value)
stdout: 10:43
